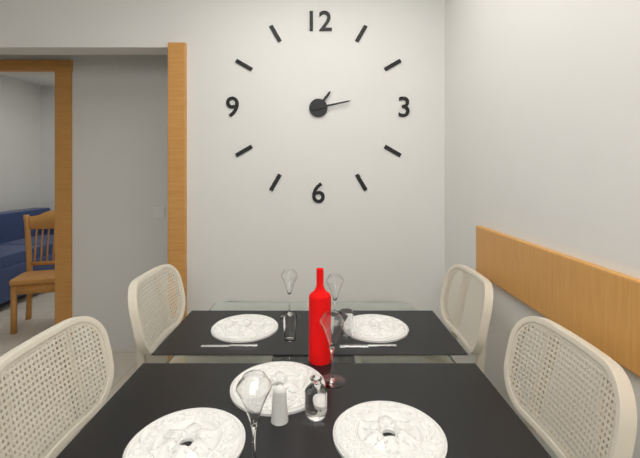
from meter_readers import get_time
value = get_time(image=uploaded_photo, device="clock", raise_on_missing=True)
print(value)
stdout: 1:13
